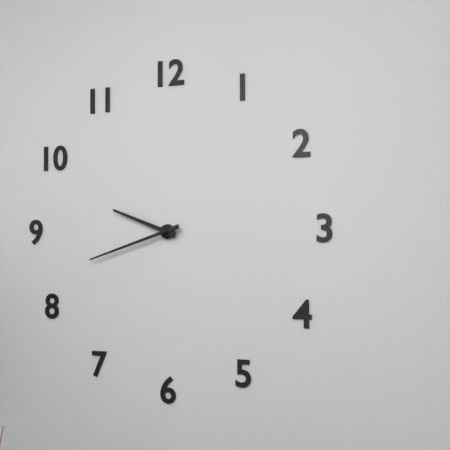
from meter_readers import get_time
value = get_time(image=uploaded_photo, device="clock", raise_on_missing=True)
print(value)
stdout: 9:42
